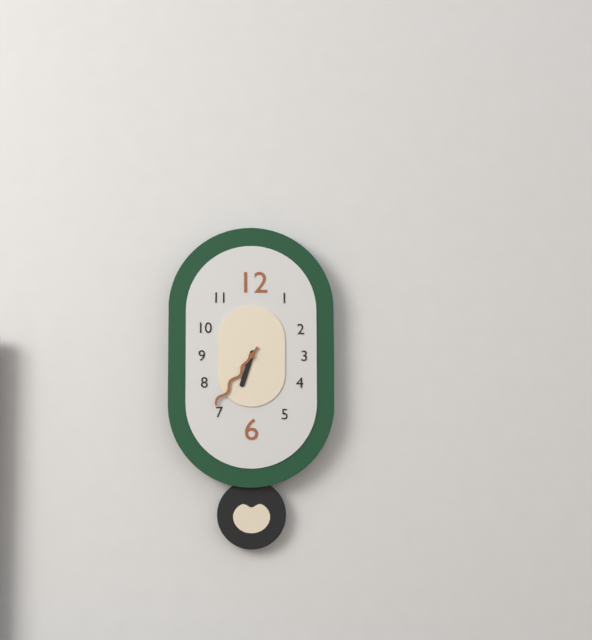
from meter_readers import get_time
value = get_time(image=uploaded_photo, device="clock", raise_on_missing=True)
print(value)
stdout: 6:36
